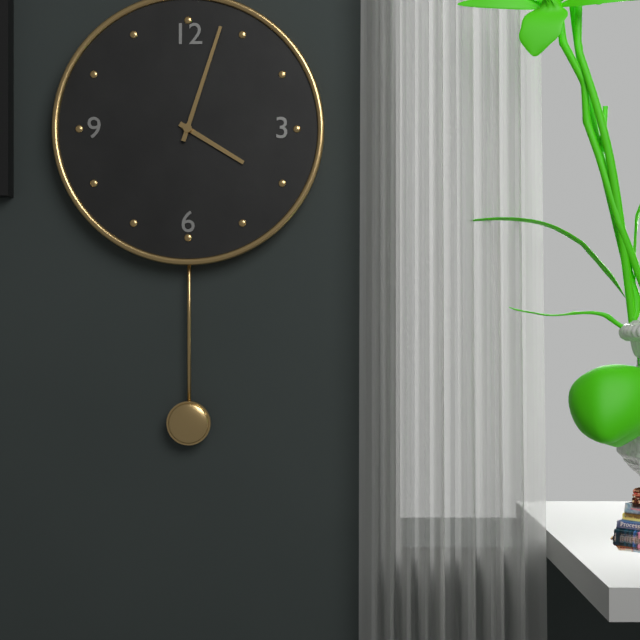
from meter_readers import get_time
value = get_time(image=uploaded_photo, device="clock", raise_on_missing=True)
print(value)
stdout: 4:03
